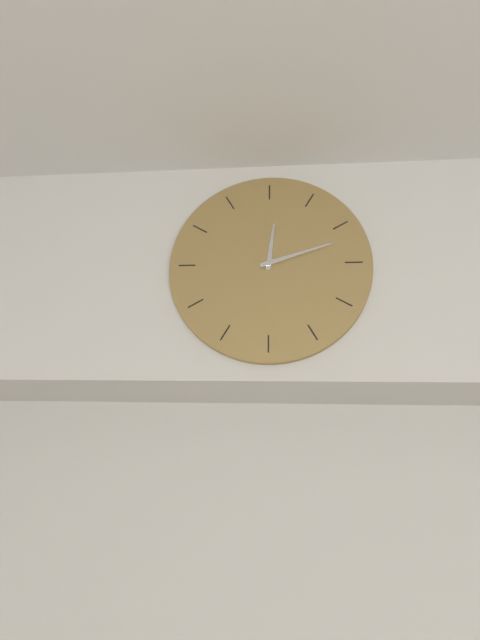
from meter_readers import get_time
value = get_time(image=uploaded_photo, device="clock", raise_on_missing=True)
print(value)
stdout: 12:12
